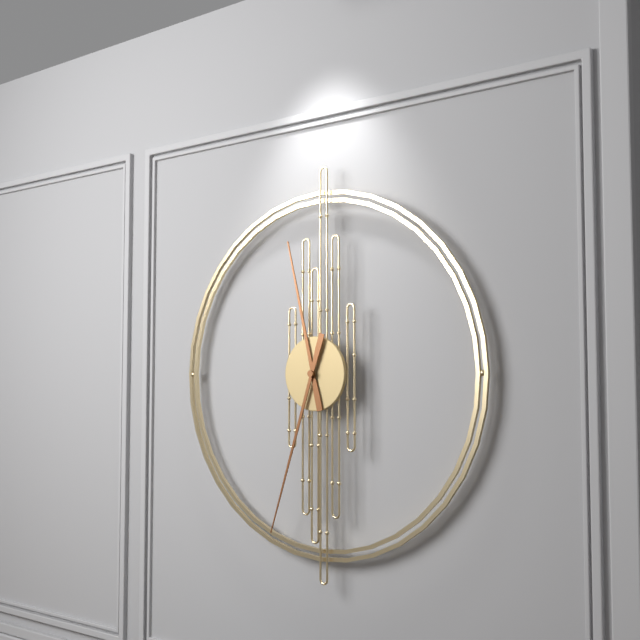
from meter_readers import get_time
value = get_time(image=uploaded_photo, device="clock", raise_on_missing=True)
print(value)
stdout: 11:33
